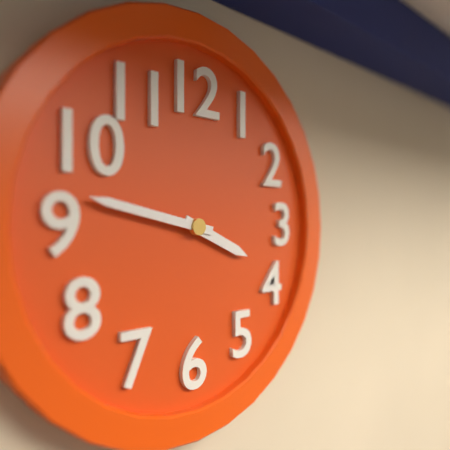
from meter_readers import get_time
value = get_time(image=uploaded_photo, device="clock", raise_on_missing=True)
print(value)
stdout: 3:47
